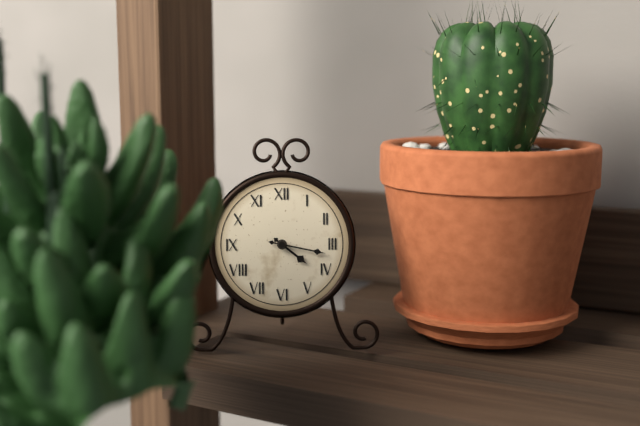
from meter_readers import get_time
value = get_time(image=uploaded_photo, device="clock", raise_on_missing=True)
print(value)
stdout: 4:17
